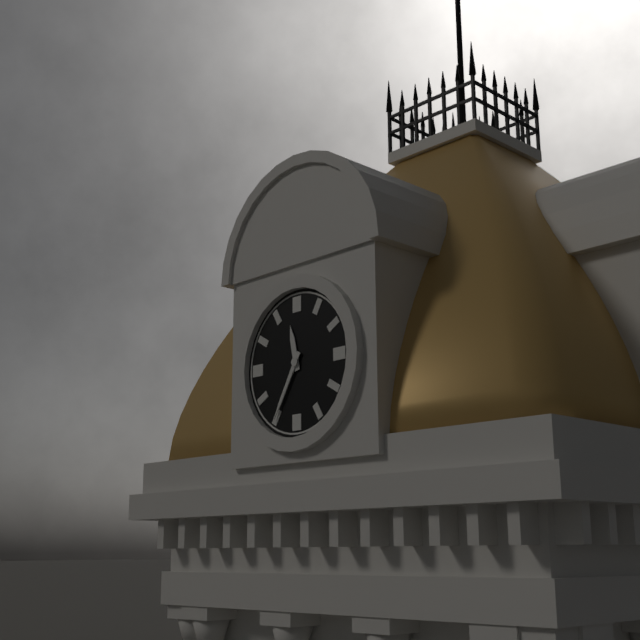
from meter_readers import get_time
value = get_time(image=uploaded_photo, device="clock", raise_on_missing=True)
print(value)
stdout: 11:35
